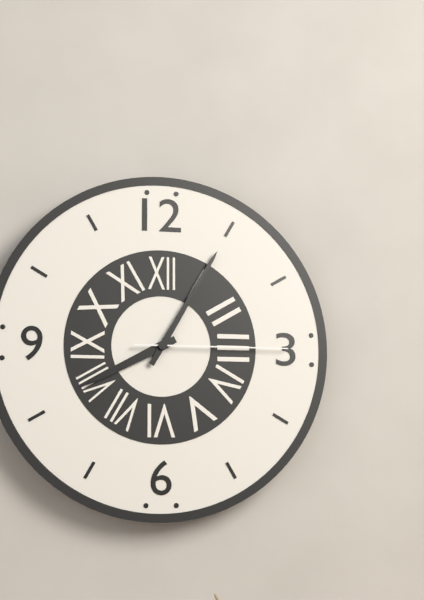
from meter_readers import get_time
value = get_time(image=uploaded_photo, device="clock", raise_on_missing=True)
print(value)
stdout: 8:05:15
